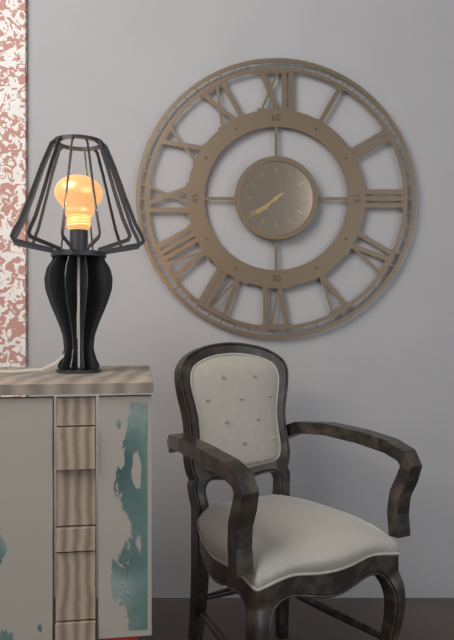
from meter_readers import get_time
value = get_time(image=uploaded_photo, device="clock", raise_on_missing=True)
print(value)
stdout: 7:39
